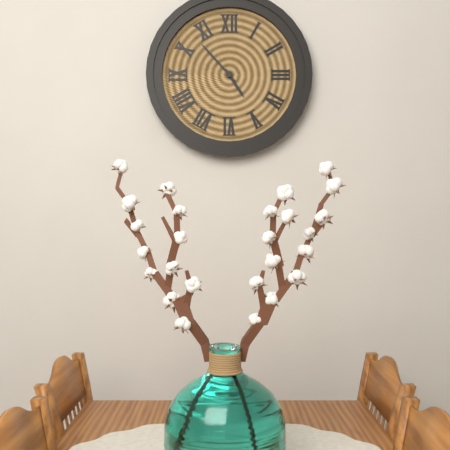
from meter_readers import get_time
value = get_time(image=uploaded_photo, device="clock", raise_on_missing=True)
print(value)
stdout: 4:53
